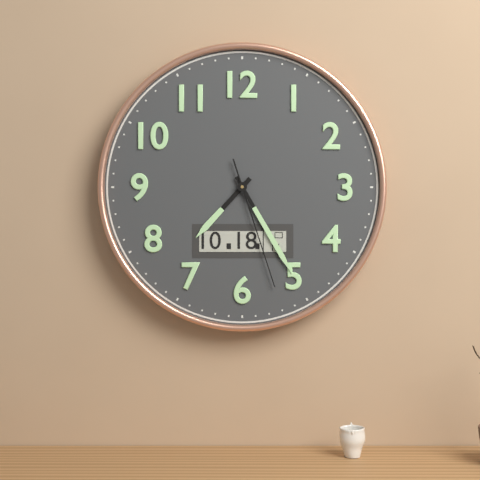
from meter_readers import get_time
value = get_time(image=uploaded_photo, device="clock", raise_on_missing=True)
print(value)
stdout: 7:25:27
